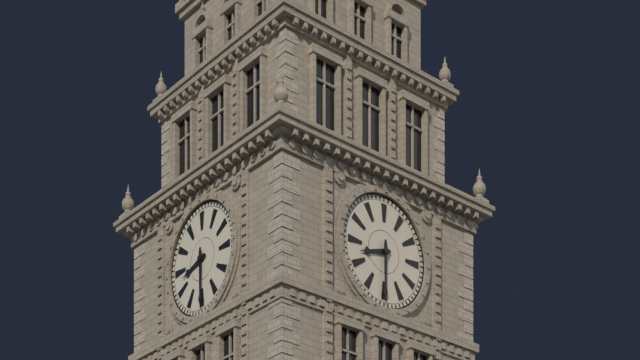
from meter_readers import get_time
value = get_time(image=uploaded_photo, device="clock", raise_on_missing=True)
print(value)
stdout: 8:30
